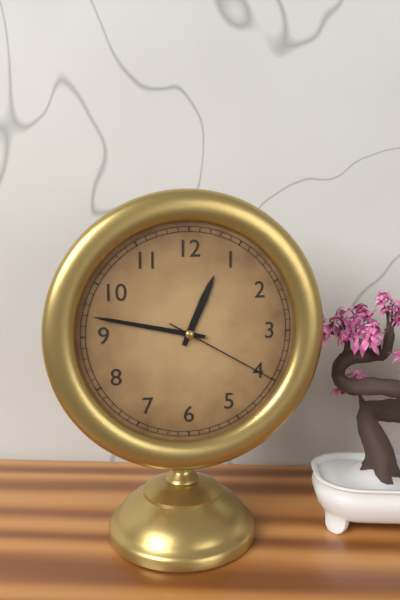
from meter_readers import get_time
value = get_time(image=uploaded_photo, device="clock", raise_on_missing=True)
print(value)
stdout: 12:47:20
